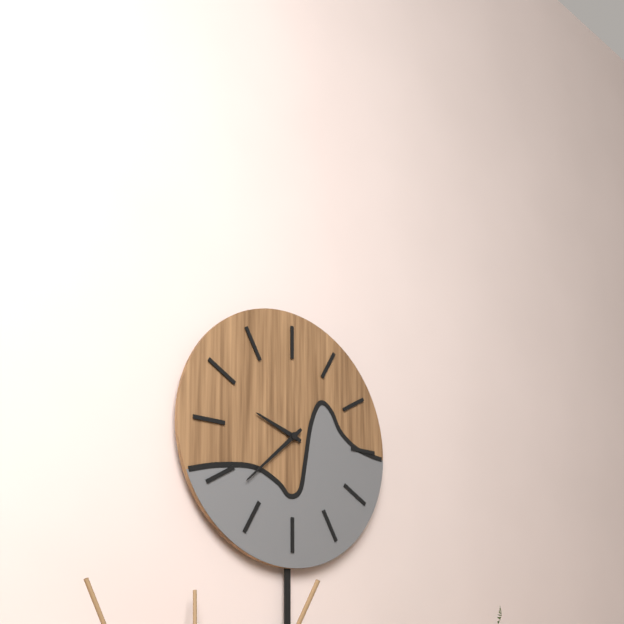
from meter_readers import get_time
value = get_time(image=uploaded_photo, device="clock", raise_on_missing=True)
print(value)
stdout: 9:38
